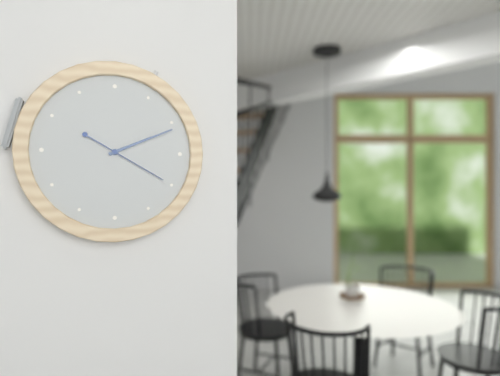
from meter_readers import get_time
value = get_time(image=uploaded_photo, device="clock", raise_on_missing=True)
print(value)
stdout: 2:11:20
